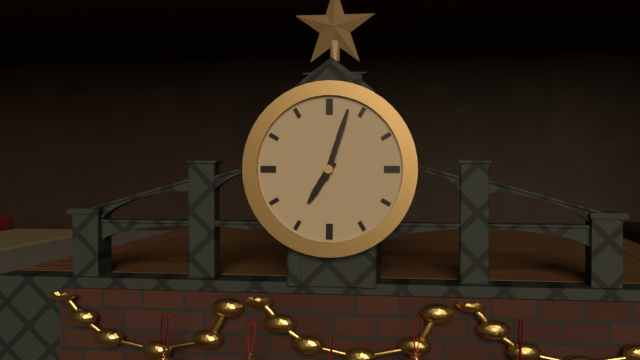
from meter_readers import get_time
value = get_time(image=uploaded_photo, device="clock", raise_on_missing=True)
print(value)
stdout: 7:03
